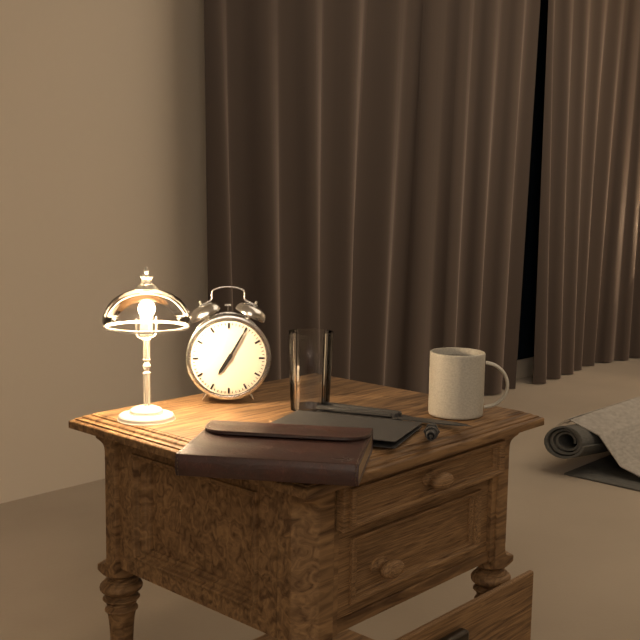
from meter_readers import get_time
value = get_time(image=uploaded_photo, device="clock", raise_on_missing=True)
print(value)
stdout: 7:05
